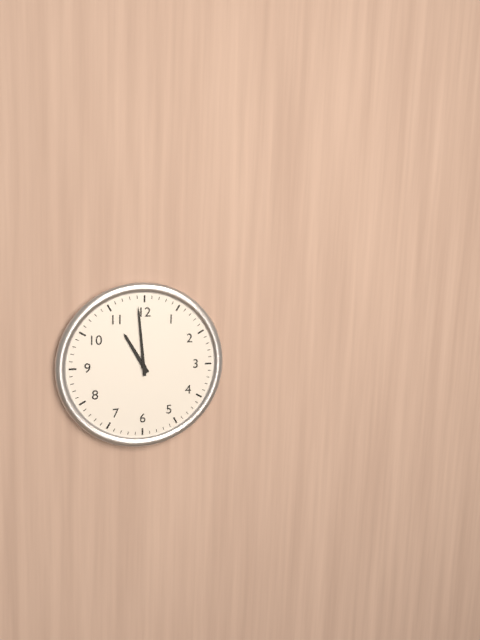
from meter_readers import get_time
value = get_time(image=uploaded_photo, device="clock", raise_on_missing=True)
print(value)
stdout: 10:59
